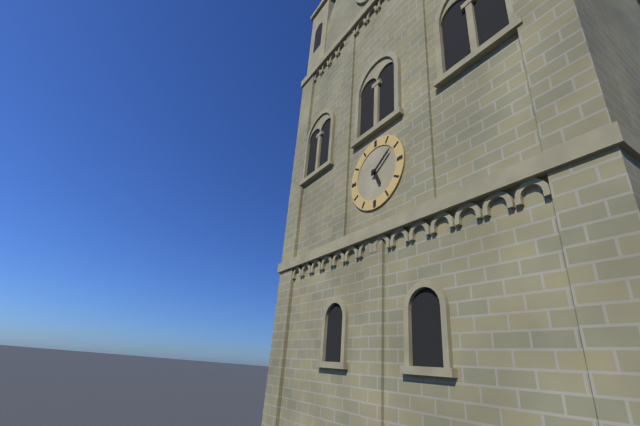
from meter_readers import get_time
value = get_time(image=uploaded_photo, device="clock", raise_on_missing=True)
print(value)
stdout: 5:09
